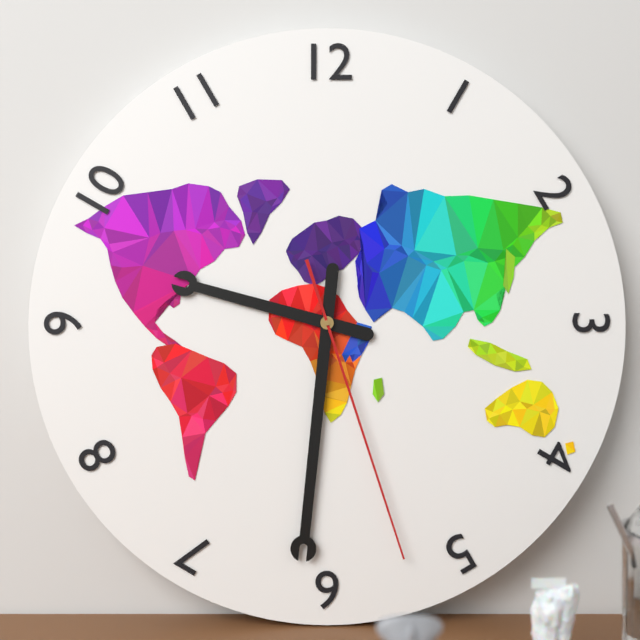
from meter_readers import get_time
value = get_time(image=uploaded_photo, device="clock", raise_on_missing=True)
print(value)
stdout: 9:31:27
